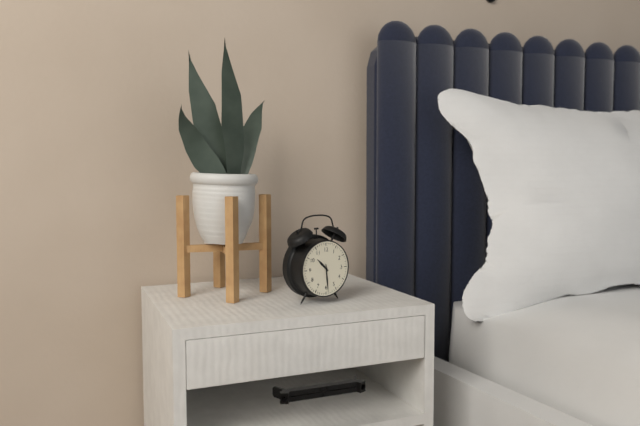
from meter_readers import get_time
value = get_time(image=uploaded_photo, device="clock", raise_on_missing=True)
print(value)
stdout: 10:29
